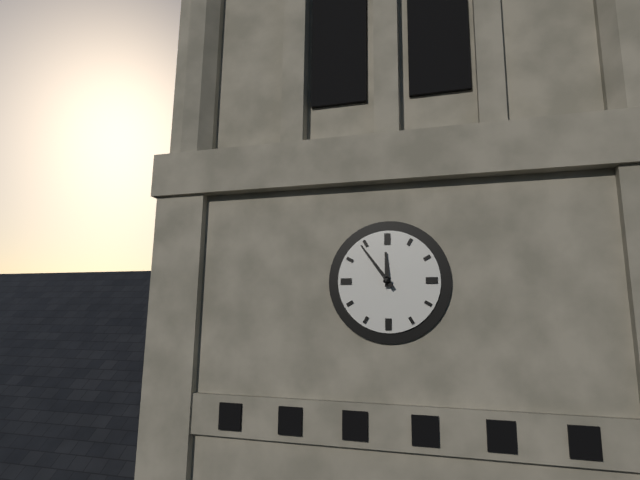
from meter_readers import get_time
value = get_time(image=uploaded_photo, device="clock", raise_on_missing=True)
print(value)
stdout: 11:54
